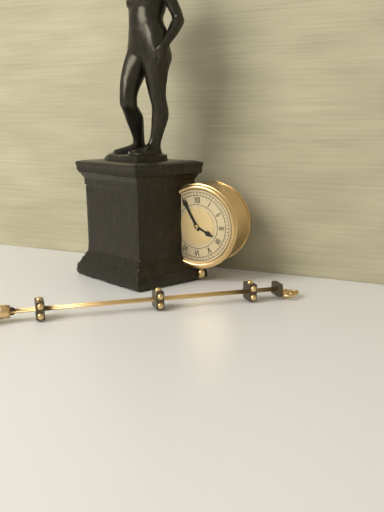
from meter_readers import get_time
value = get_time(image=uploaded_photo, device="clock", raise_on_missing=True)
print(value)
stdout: 3:55
